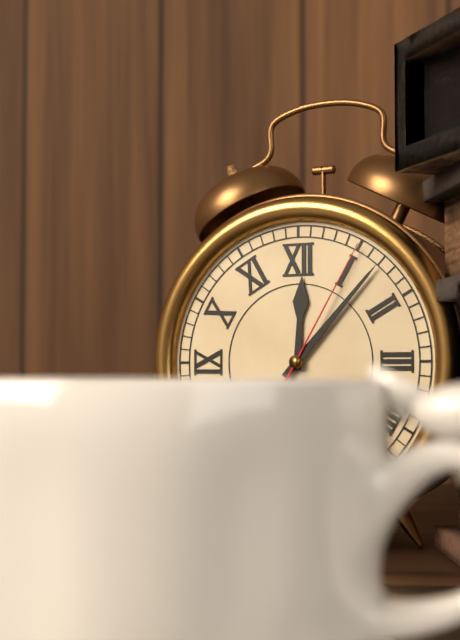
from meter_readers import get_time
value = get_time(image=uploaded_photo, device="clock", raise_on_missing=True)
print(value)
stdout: 12:07:05
